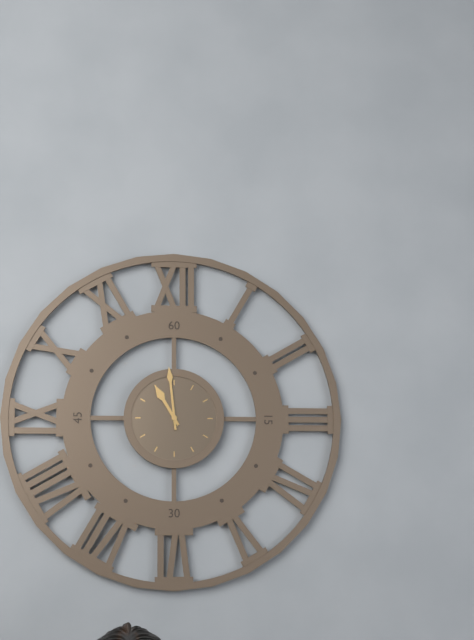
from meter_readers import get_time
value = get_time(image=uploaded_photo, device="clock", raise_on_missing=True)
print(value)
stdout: 10:59
